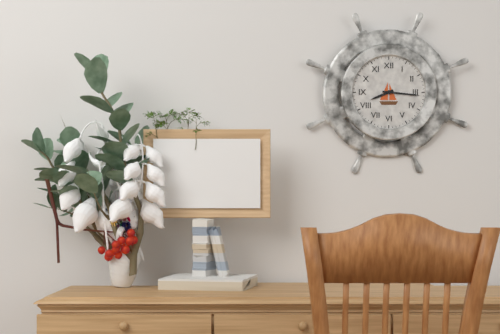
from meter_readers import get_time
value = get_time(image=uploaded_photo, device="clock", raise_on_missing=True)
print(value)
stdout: 8:16
